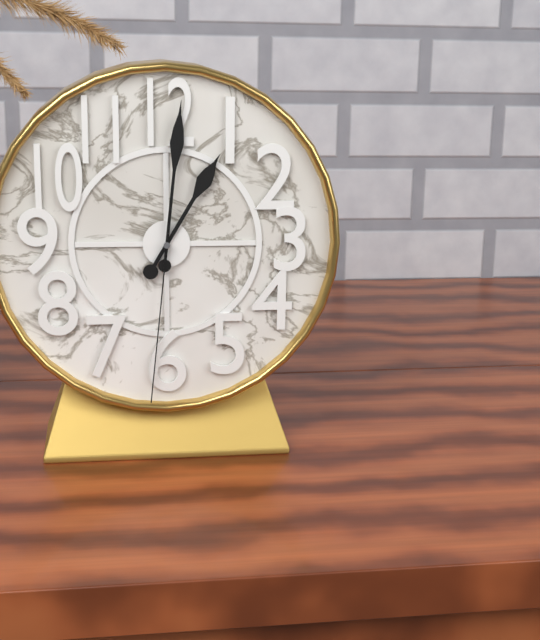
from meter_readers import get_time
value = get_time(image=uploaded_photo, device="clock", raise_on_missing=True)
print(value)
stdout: 1:01:31
